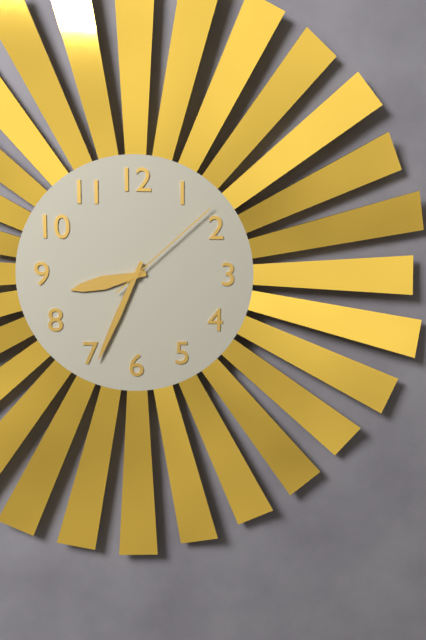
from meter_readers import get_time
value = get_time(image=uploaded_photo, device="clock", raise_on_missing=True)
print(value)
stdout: 8:34:08
